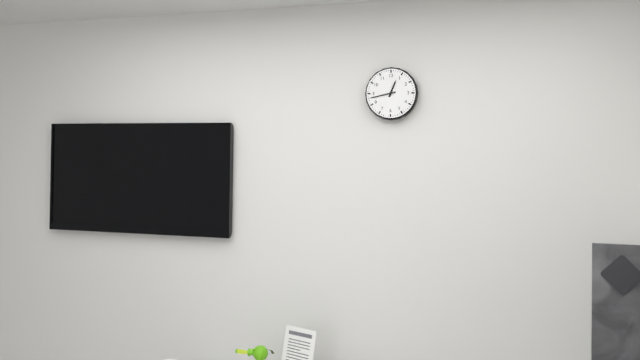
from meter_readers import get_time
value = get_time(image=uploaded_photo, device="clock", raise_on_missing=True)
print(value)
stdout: 12:43
